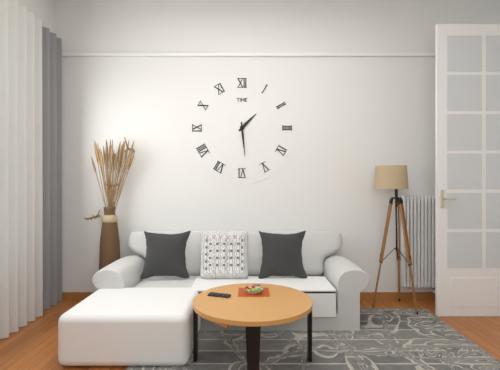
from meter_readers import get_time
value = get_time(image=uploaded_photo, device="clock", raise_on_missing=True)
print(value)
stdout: 1:29
